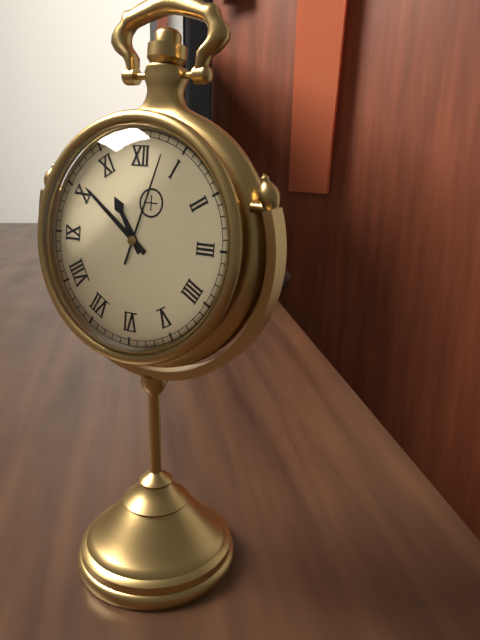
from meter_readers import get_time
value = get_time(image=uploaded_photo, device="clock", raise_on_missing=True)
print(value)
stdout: 10:51:03
